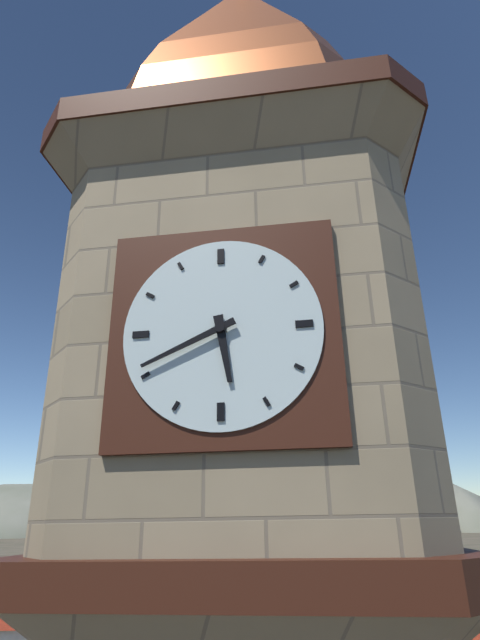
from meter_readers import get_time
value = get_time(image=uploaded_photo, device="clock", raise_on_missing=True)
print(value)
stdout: 5:41
